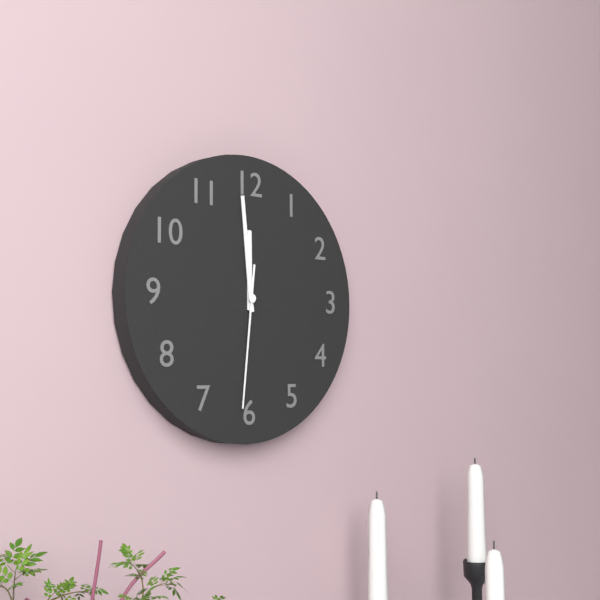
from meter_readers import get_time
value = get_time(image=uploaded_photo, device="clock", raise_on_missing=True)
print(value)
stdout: 11:59:31
